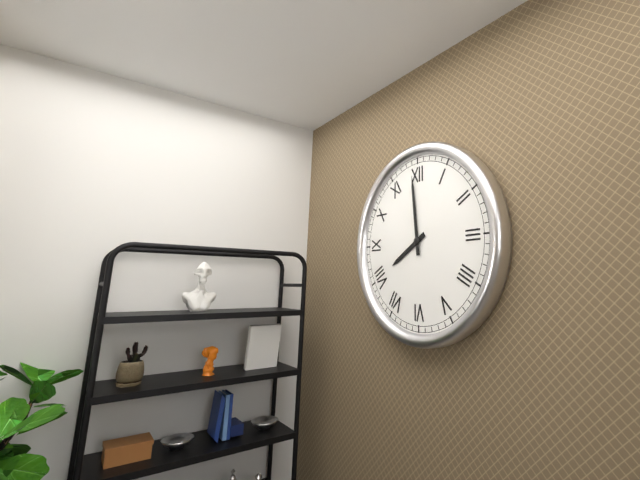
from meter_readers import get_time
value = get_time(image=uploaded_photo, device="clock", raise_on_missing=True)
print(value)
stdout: 7:59
